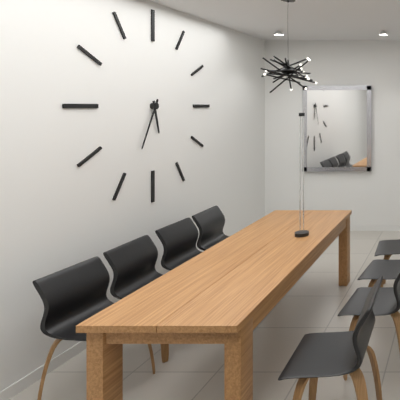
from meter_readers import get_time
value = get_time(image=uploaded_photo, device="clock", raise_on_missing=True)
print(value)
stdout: 5:34
